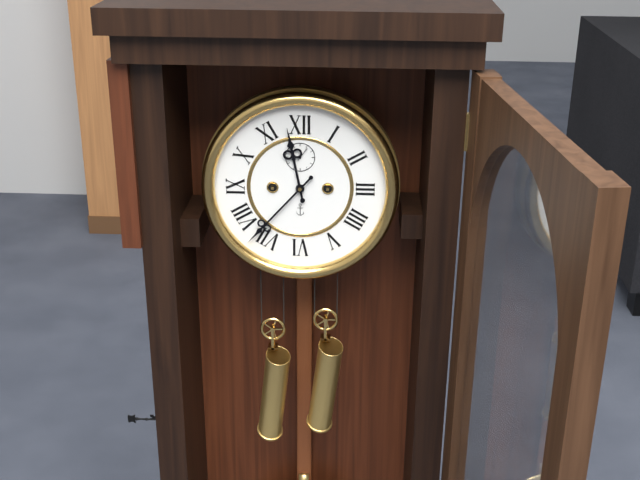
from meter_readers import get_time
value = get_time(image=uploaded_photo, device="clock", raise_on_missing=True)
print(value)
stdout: 11:37
